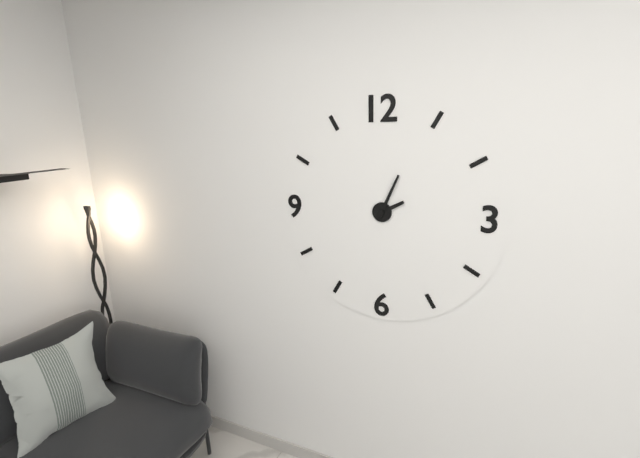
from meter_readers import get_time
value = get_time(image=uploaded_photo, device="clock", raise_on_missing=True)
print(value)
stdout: 2:04
